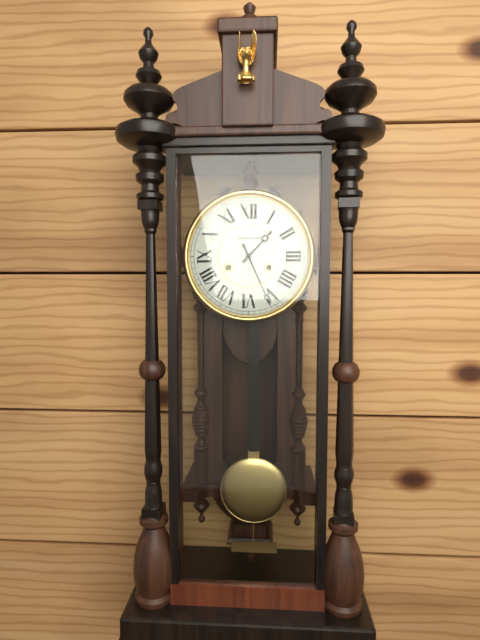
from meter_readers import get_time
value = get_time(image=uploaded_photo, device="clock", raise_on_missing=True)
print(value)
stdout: 1:26
